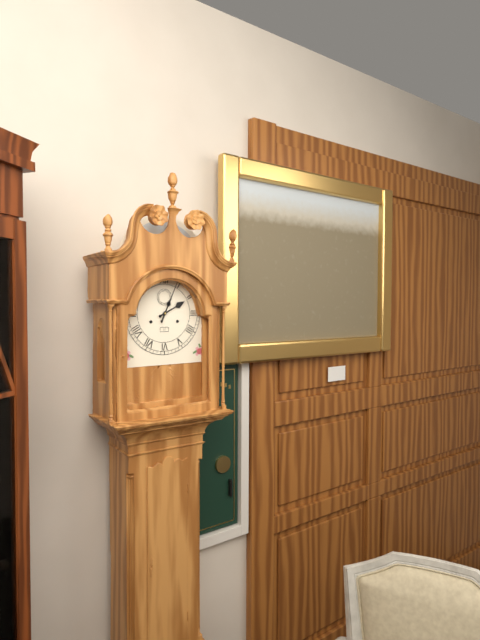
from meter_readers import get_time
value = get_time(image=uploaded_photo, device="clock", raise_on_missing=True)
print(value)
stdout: 2:04
